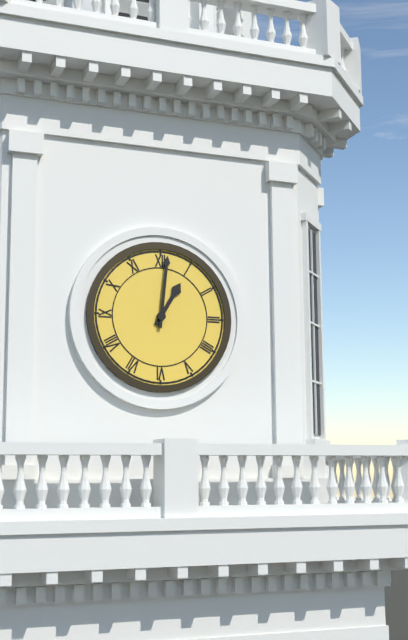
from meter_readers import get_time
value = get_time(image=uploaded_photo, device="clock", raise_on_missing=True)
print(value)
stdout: 1:01
